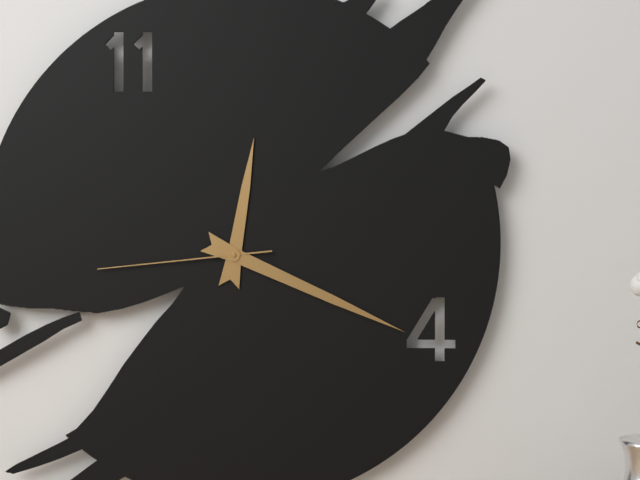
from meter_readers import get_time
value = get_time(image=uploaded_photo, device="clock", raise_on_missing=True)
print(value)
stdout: 12:19:44
